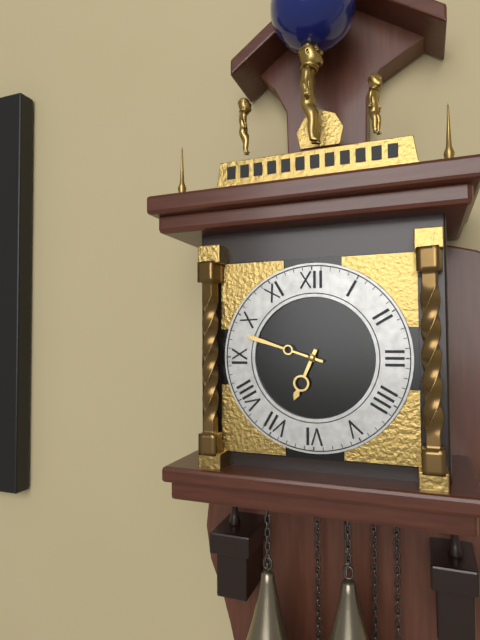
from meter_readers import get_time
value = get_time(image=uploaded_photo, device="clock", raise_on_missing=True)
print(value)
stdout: 6:48
